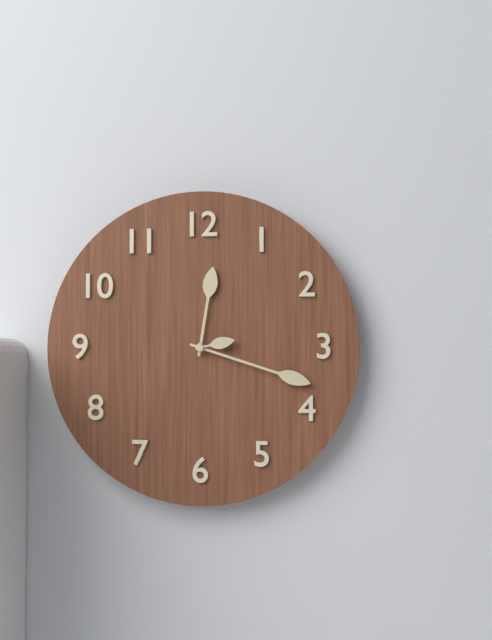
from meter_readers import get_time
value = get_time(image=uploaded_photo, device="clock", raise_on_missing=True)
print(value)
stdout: 12:18
